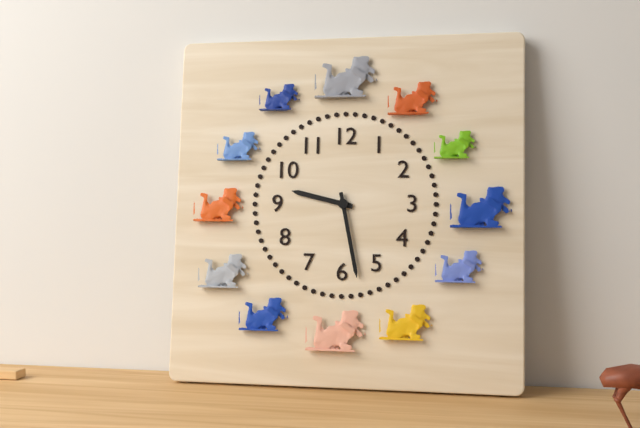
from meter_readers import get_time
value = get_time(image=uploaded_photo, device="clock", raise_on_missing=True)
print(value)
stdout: 9:28
